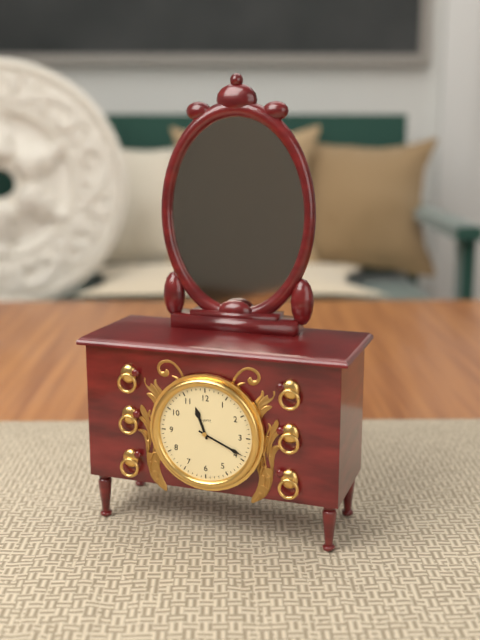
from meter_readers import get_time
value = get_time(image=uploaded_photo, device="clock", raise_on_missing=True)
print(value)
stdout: 11:19
